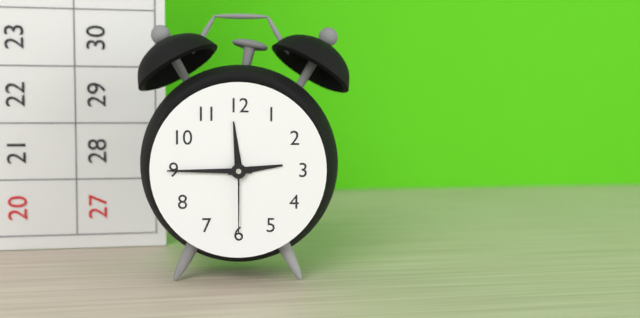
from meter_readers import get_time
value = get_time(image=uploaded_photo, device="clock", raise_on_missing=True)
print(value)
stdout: 2:45:30
